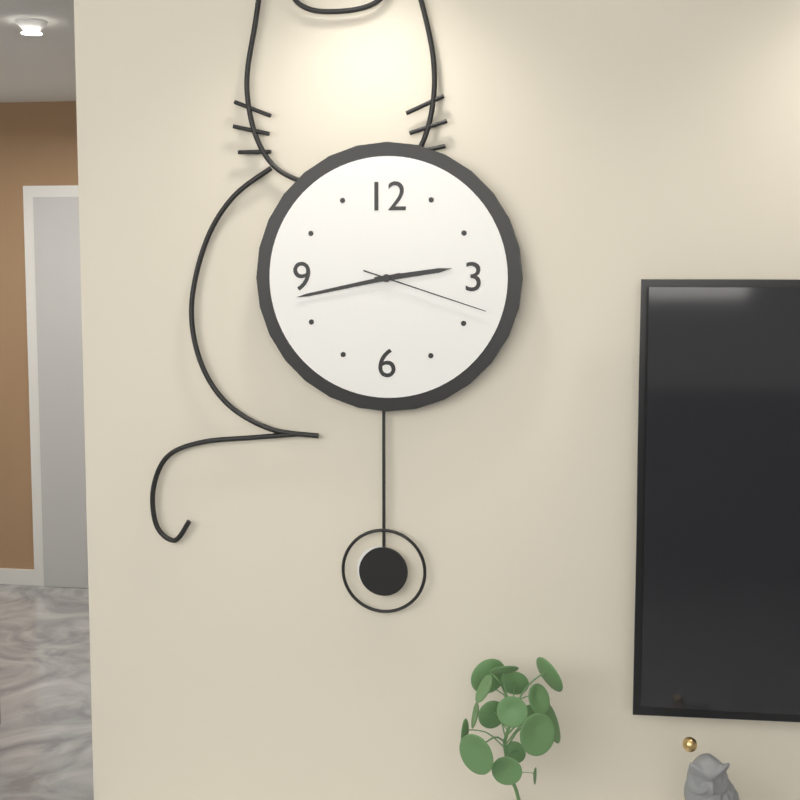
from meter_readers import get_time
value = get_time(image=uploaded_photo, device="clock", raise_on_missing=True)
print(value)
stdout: 2:43:18
